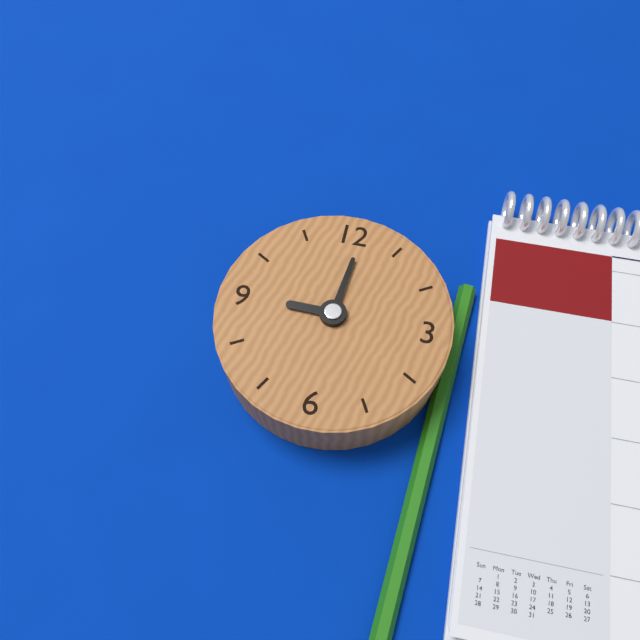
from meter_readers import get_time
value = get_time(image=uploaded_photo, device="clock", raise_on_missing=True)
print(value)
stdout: 9:01
